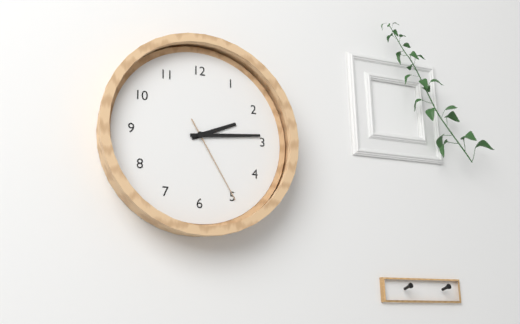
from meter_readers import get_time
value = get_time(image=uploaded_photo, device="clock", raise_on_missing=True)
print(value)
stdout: 2:14:25
